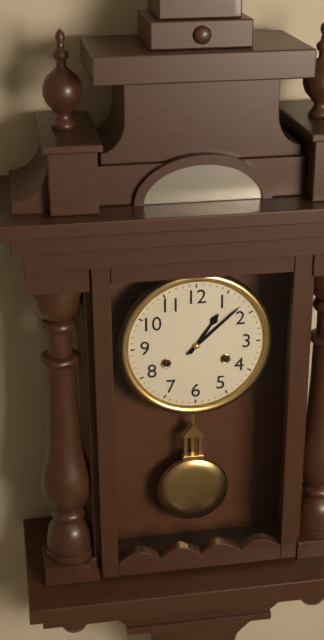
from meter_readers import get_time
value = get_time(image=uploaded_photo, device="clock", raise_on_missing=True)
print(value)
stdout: 1:08
